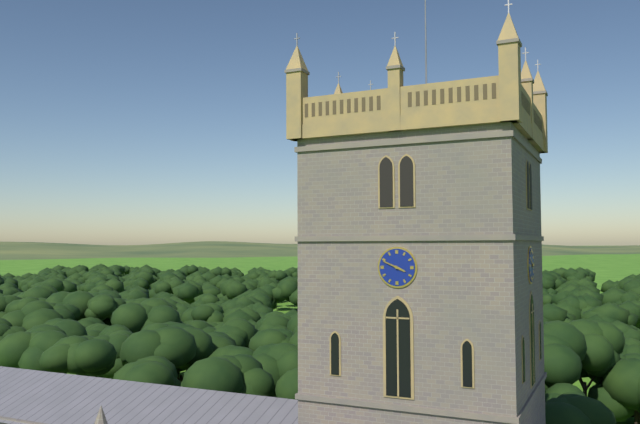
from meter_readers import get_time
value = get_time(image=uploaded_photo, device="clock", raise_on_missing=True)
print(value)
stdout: 3:49
